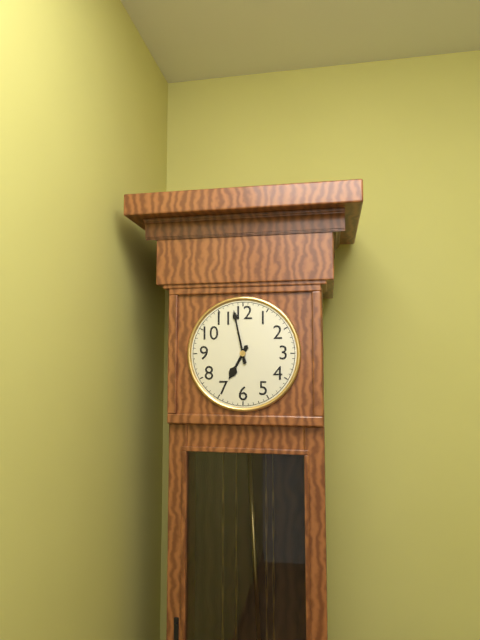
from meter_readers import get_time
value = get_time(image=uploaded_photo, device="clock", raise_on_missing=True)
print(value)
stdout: 6:58
